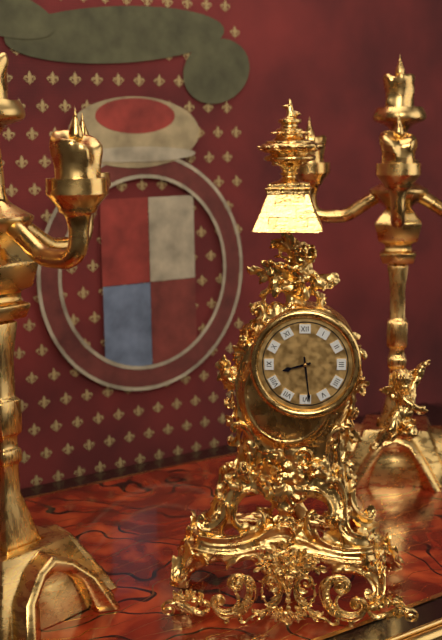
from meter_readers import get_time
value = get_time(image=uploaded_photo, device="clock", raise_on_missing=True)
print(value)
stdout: 8:29
